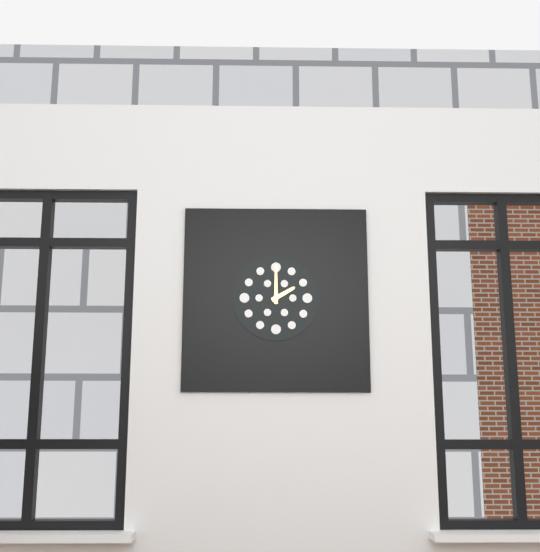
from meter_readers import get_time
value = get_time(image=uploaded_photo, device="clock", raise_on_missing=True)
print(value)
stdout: 2:00
